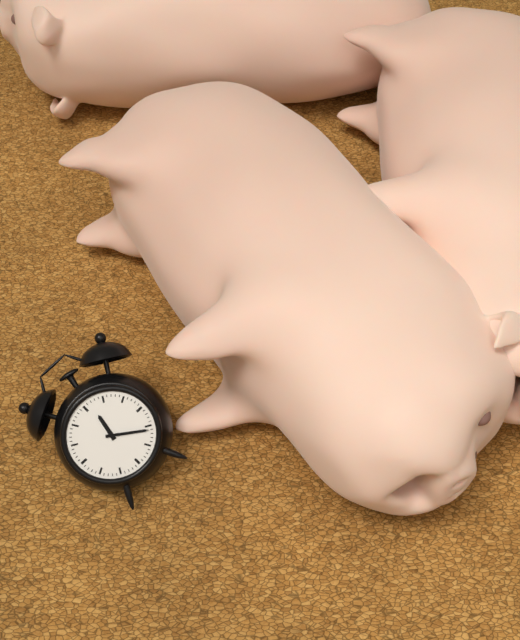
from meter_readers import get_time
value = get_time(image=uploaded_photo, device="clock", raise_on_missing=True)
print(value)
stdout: 12:21
